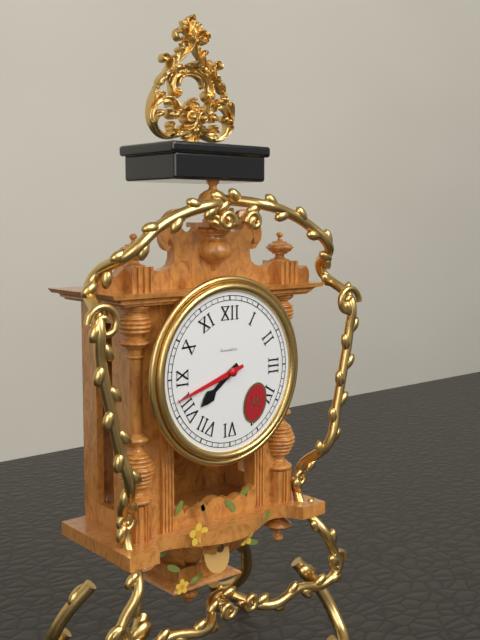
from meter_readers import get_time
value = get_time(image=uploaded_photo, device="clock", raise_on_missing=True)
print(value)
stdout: 7:42
